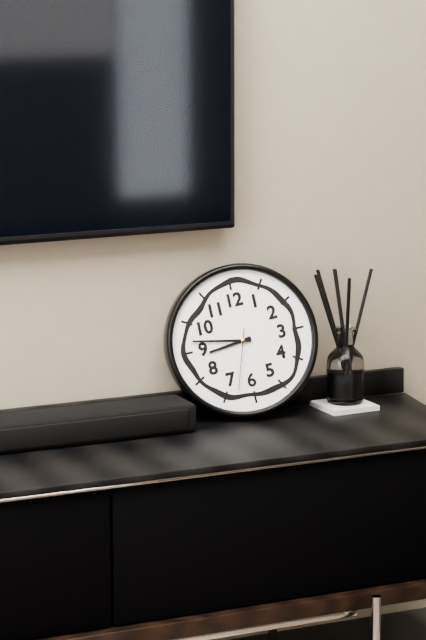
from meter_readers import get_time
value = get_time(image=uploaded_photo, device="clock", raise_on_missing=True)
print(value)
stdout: 8:47:33
